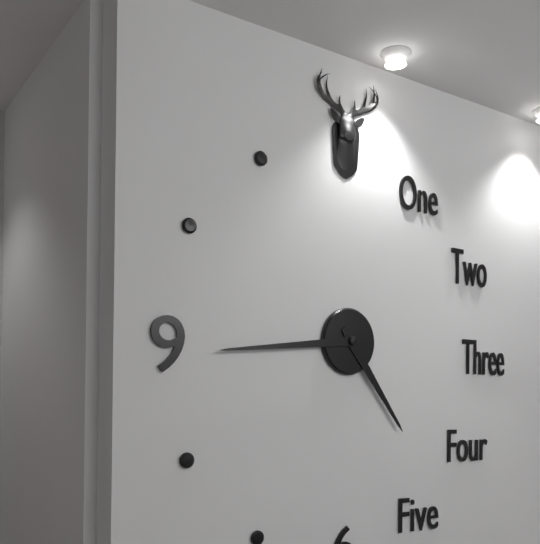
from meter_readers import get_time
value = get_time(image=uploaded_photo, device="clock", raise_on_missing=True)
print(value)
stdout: 4:44
